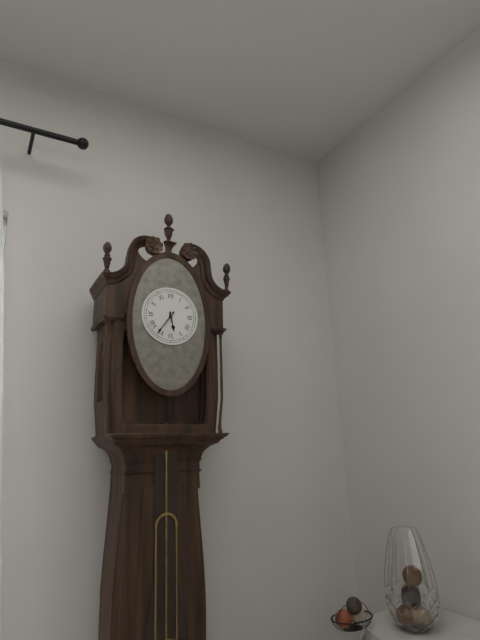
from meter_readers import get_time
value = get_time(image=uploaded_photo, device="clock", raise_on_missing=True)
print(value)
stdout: 5:36
